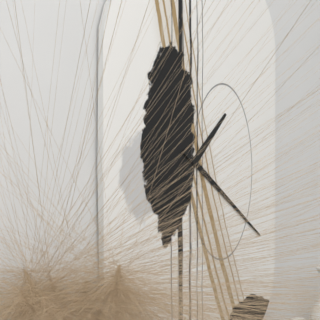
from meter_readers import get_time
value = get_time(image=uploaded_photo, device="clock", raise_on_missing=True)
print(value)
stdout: 1:22
